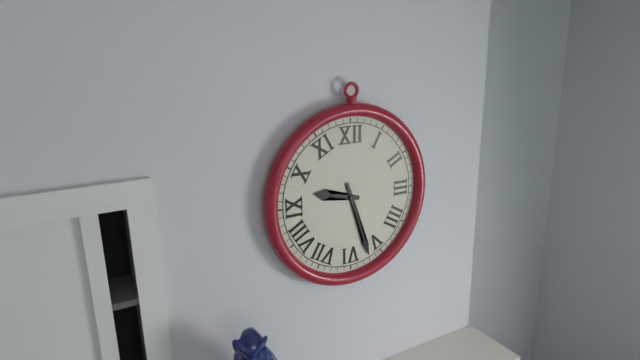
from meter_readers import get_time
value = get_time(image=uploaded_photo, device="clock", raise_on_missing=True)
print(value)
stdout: 9:27
